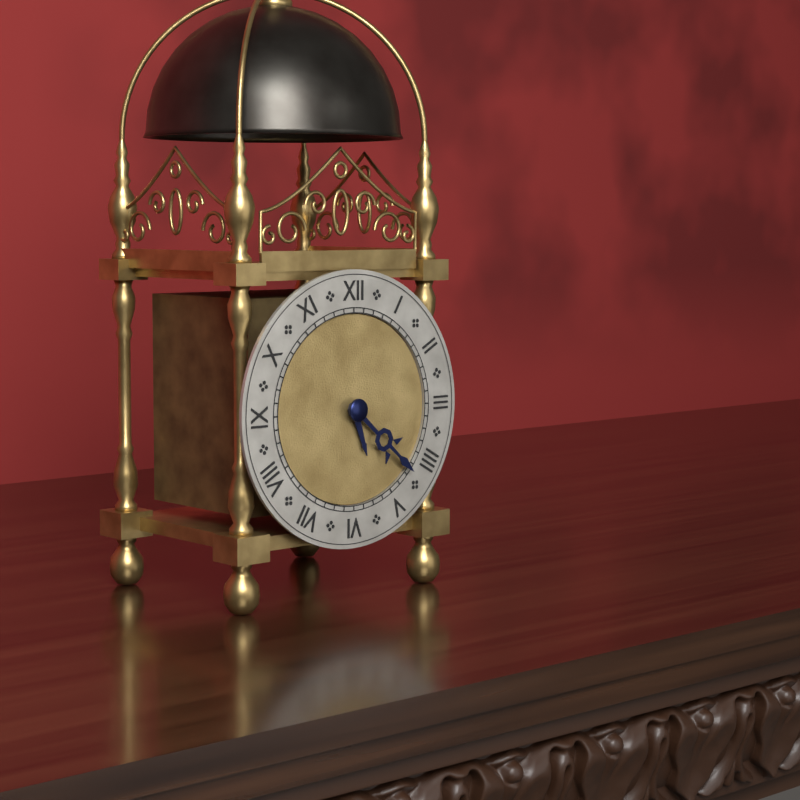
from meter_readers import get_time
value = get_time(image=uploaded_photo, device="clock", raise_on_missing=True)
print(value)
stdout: 5:22
